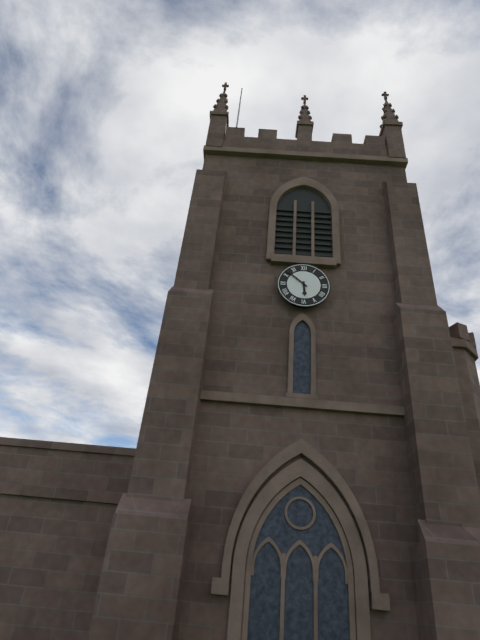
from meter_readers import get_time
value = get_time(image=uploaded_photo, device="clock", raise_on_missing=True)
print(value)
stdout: 5:52
